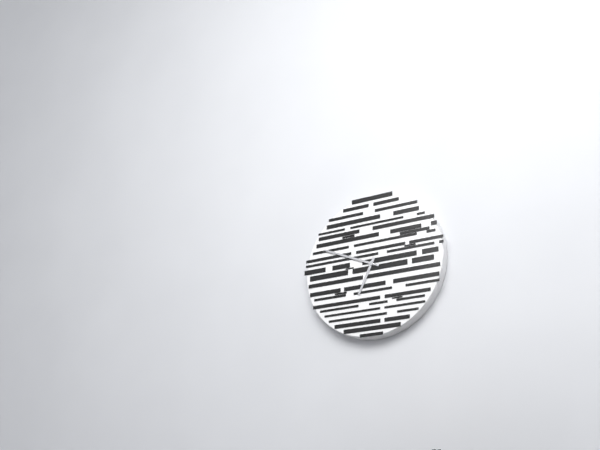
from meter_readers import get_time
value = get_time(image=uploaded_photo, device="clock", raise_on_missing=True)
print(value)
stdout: 6:49
